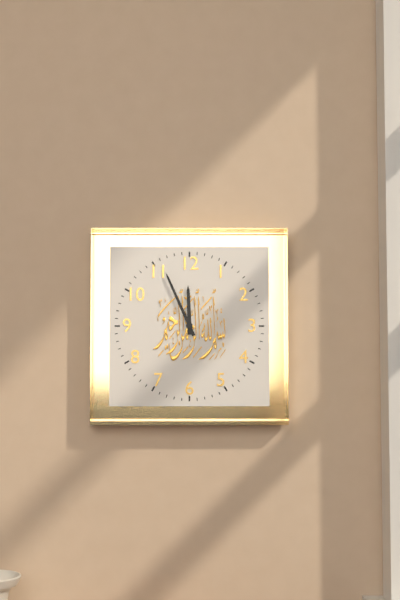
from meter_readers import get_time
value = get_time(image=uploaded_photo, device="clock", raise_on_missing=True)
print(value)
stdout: 11:56
